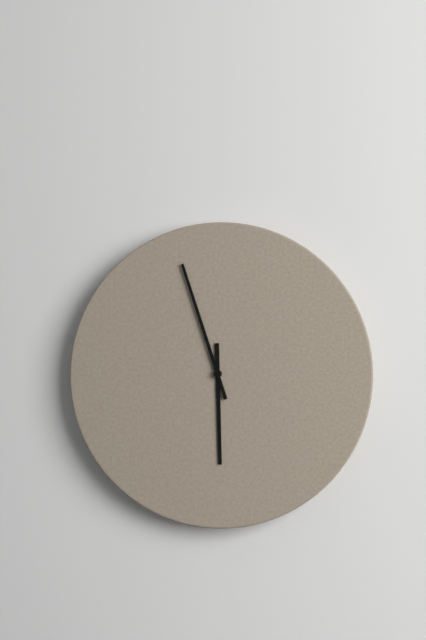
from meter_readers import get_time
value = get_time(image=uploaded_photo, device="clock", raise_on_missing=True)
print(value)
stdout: 5:57
